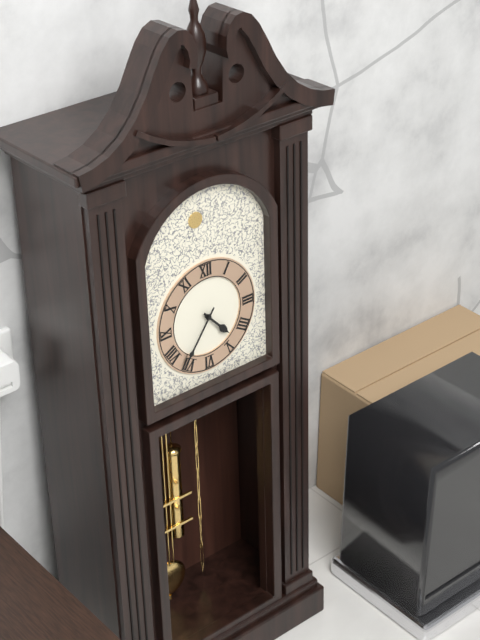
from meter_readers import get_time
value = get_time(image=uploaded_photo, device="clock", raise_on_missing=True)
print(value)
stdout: 4:36
